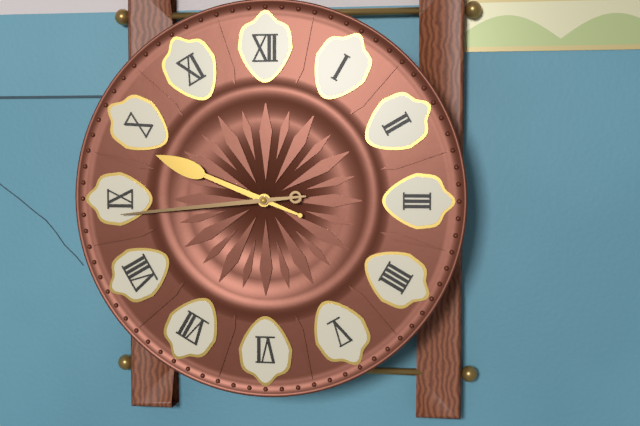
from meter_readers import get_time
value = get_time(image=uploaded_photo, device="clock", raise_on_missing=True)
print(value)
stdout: 9:44
